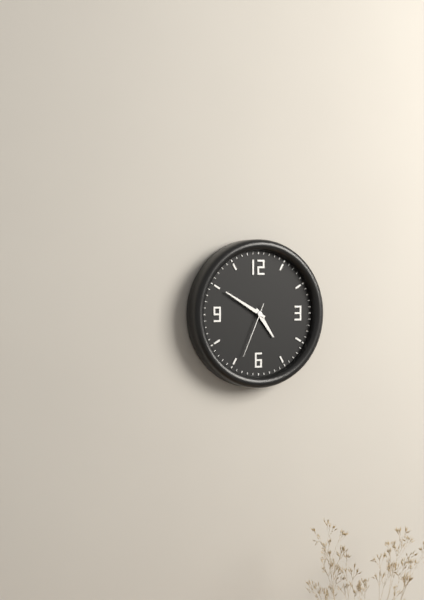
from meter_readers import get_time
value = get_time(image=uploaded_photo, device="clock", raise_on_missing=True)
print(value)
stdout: 4:50:34
